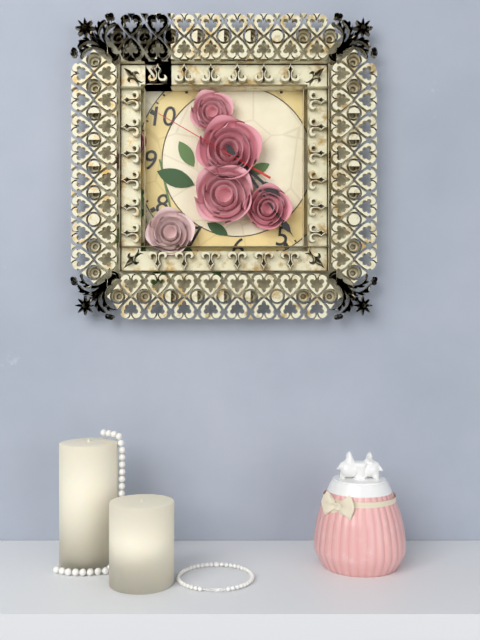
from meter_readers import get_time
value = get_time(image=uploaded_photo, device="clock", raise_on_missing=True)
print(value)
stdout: 4:24:50
